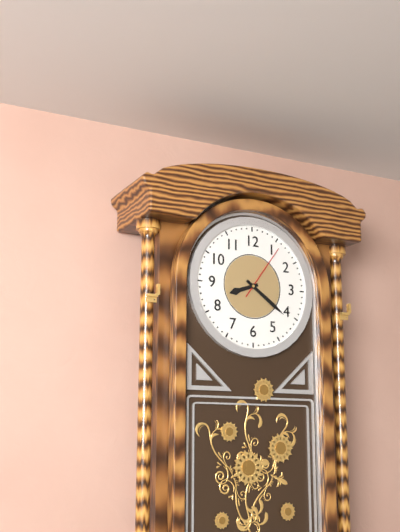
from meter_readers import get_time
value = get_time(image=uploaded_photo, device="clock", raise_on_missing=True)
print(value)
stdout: 8:21:06
